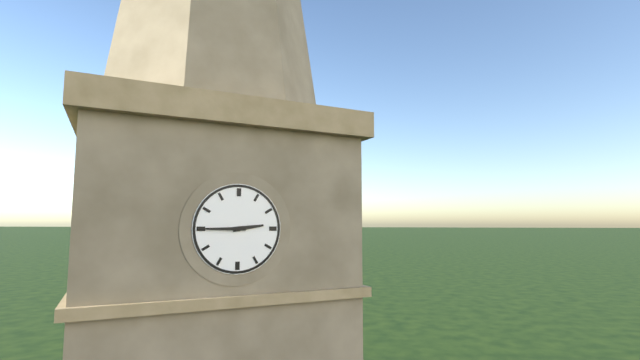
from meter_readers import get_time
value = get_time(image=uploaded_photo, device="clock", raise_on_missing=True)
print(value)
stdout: 2:45
